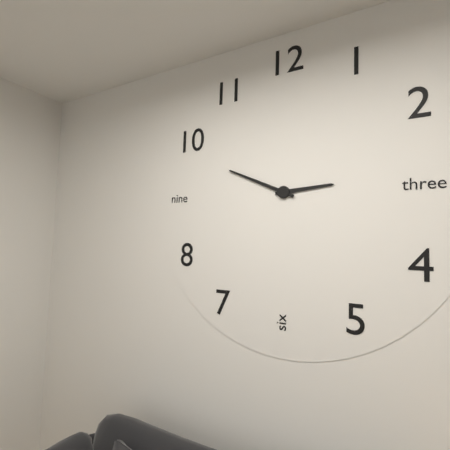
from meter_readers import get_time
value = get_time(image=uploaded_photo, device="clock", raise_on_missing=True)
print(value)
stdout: 2:49
